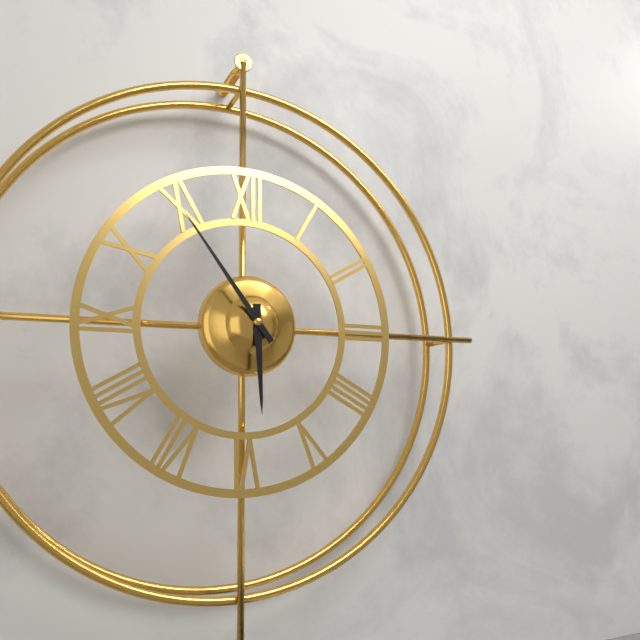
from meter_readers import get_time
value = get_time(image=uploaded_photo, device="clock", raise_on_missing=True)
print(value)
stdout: 5:54
